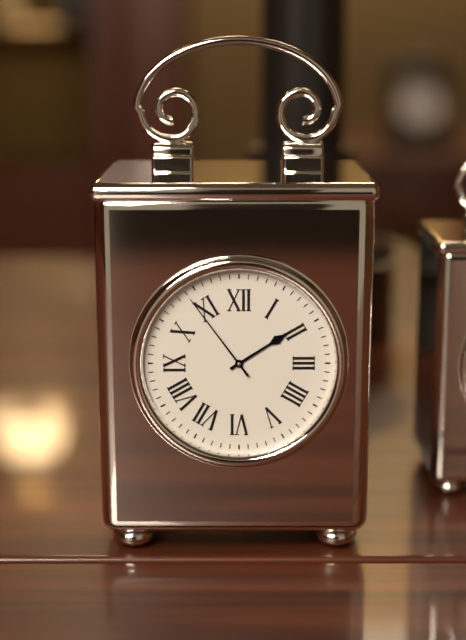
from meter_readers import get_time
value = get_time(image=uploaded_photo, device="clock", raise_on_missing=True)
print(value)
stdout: 1:54
